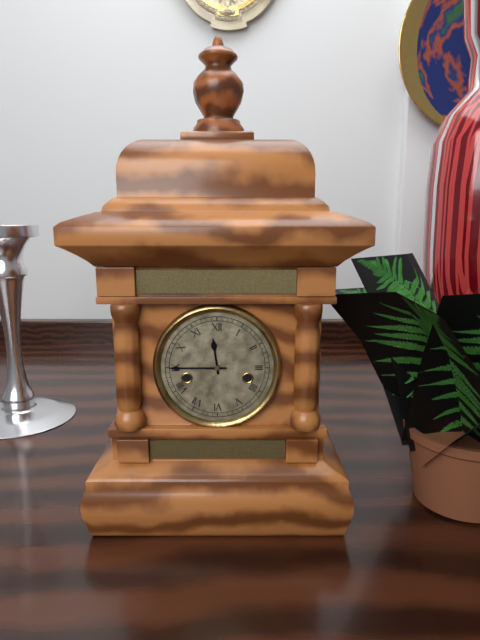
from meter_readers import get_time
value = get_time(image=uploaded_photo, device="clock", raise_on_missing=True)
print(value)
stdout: 11:45
